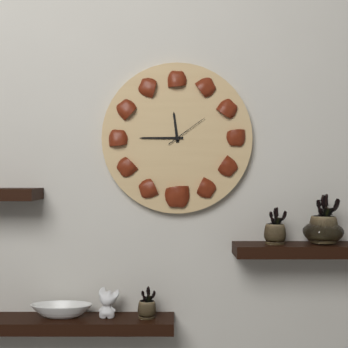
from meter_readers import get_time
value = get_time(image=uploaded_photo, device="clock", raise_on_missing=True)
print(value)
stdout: 11:45
